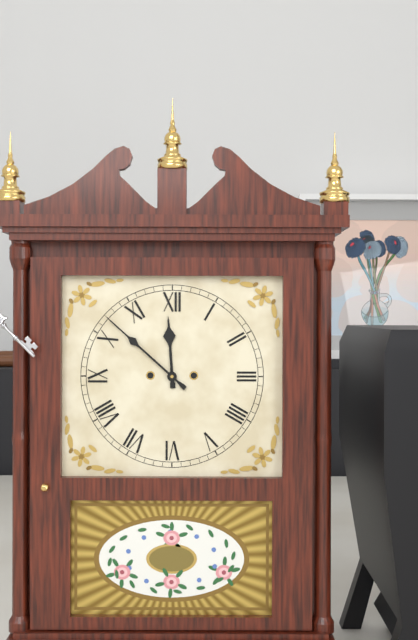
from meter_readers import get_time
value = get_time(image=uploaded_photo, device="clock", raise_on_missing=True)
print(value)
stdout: 11:52
